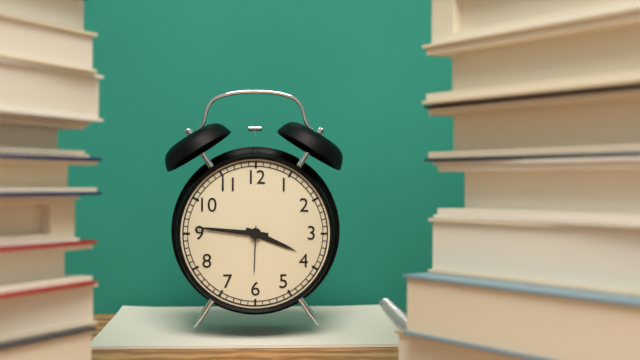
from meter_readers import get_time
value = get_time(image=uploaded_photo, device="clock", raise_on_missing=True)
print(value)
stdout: 3:46
